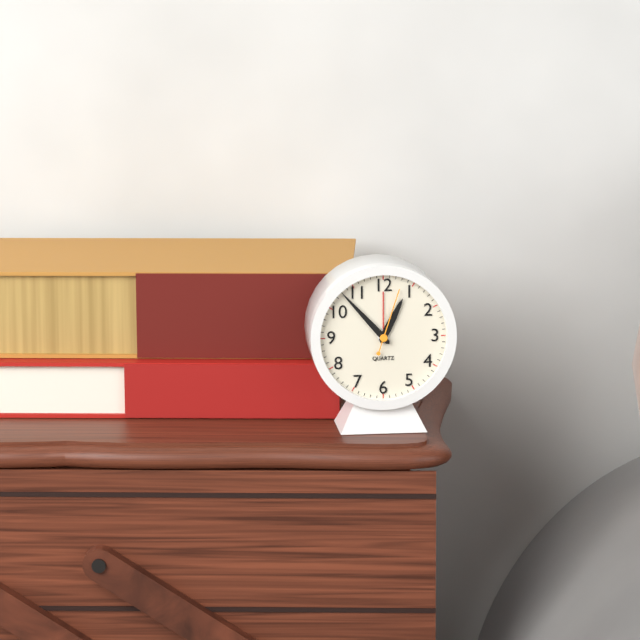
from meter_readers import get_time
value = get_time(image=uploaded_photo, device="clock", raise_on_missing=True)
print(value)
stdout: 12:53:03
